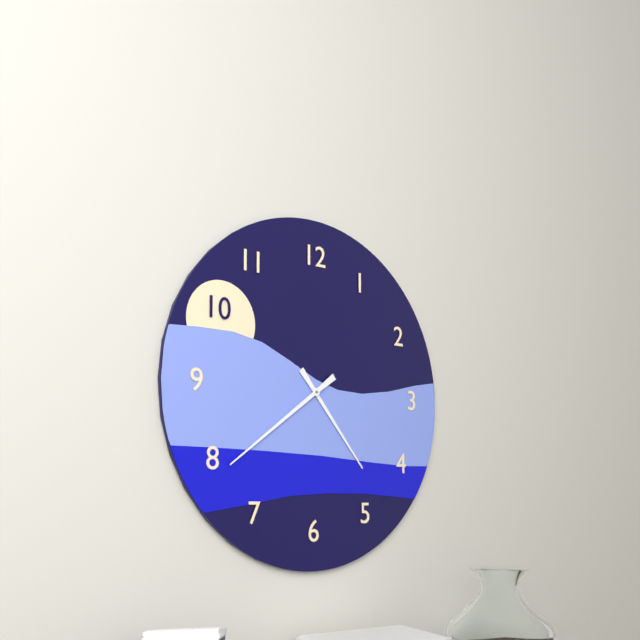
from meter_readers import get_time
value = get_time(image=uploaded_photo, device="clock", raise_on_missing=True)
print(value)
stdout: 4:39
